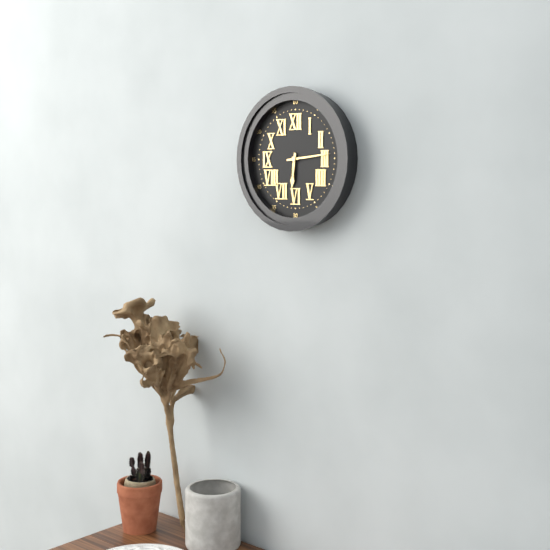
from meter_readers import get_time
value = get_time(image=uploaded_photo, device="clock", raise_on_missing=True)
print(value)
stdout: 6:14
